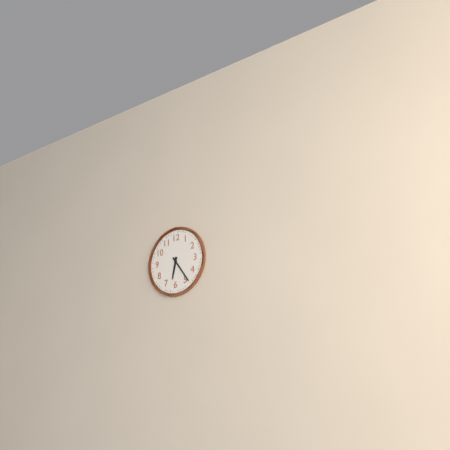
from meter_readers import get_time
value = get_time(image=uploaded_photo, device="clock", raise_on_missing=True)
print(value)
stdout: 6:24
